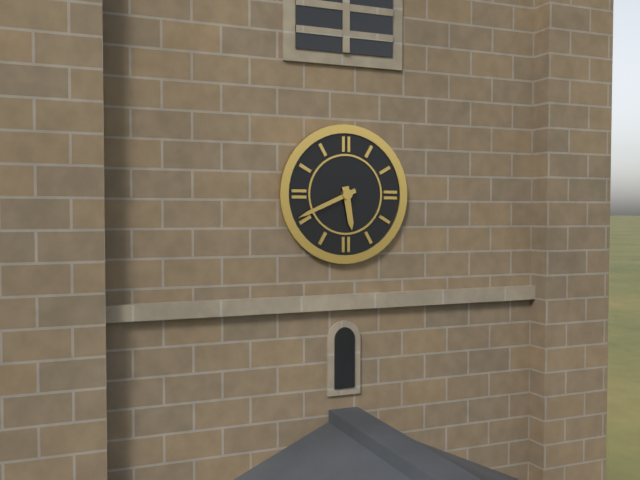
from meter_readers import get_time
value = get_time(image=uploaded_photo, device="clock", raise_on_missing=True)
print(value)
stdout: 5:41
